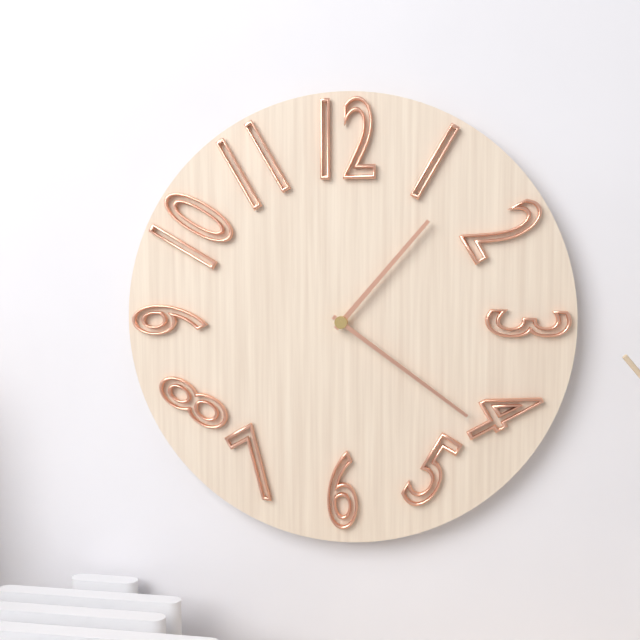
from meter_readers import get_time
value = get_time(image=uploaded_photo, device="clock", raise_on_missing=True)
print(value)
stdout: 1:21
